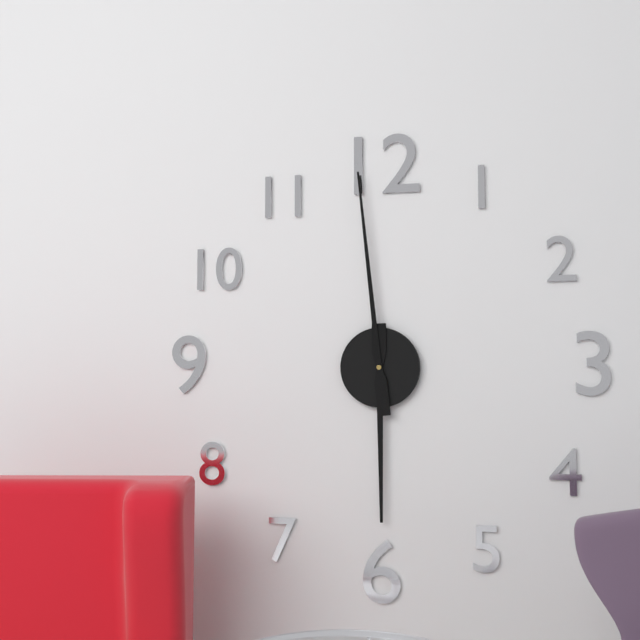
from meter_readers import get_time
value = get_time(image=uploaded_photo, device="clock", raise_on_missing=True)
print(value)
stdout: 5:59
